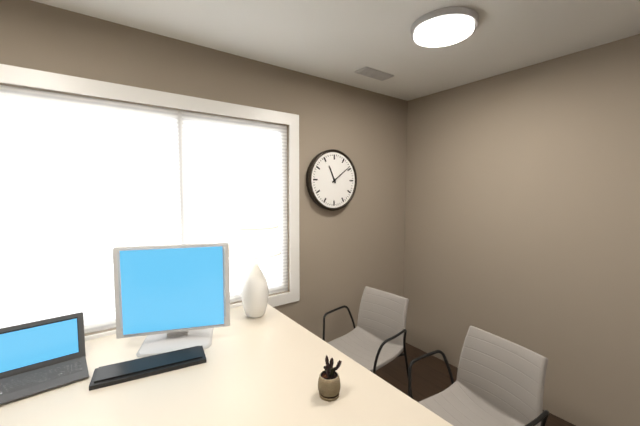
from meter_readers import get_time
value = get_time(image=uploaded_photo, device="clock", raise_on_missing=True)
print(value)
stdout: 11:09
